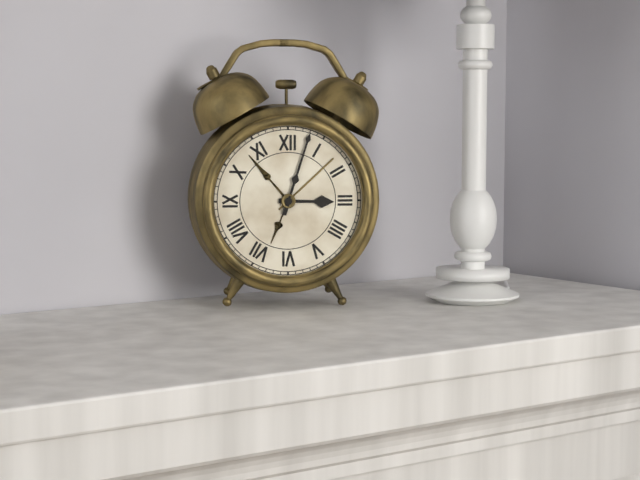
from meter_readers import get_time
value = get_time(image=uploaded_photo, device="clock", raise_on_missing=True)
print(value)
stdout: 3:03
